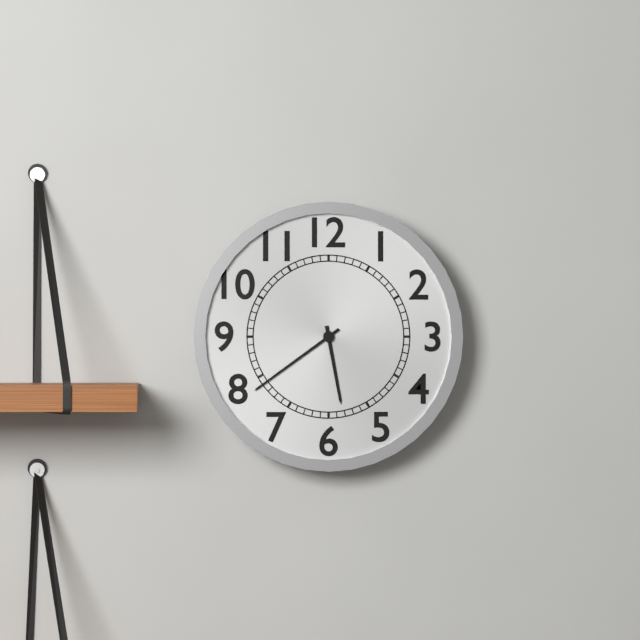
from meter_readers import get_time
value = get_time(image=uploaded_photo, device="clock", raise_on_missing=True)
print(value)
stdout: 5:39
